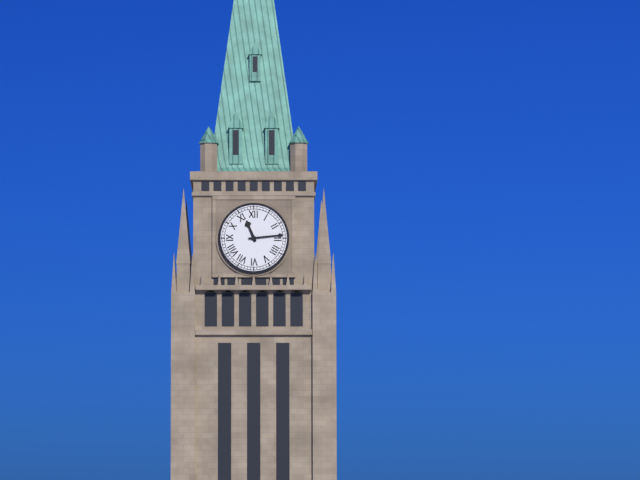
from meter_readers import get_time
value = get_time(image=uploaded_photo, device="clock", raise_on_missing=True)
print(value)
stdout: 11:14
